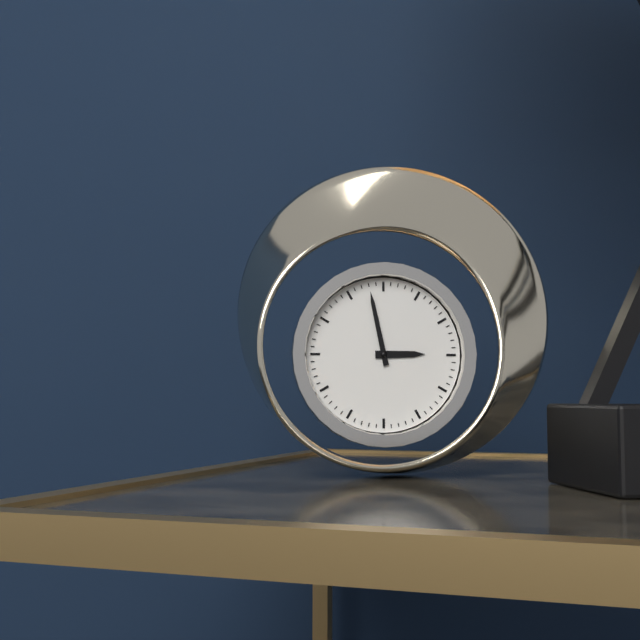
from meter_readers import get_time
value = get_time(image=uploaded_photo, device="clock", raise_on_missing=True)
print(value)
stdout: 2:58
